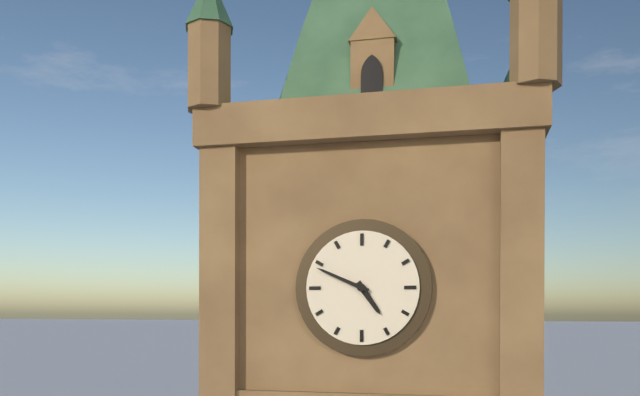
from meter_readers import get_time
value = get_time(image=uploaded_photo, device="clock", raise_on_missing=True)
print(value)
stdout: 4:49
